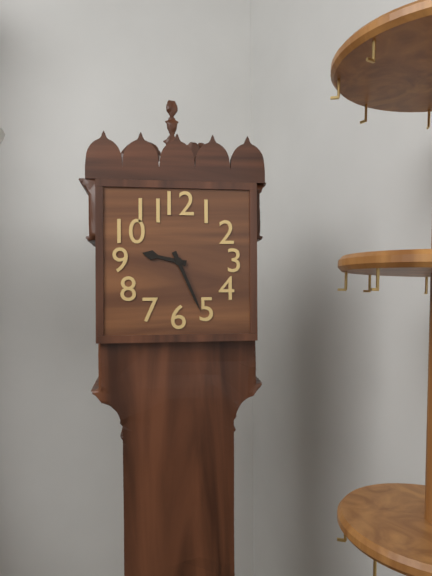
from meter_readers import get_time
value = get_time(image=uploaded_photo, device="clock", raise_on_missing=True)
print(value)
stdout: 9:26
